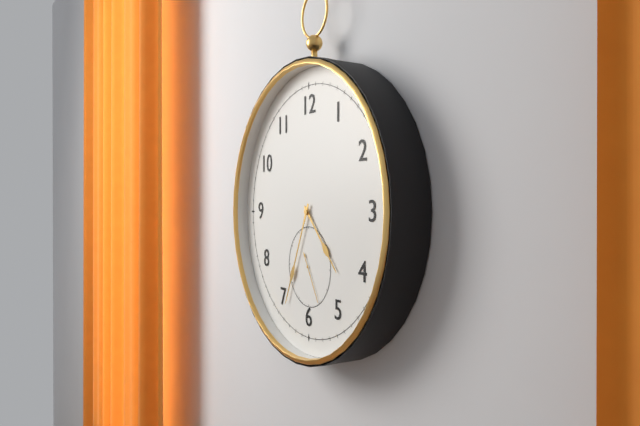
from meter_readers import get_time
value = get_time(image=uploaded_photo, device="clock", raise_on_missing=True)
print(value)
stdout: 4:34
